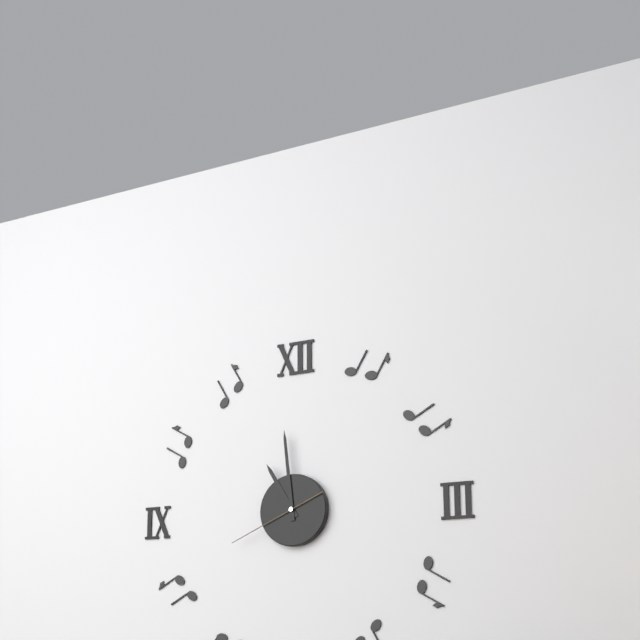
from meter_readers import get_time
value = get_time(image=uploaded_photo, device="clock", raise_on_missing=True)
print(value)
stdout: 10:59:41
